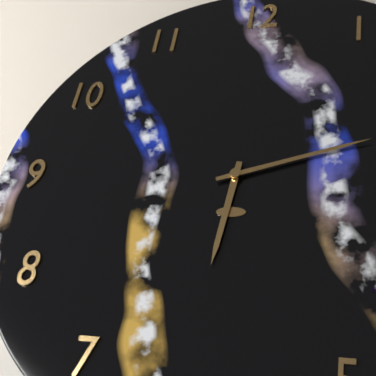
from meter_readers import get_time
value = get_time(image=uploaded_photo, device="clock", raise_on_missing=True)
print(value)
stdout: 6:12
